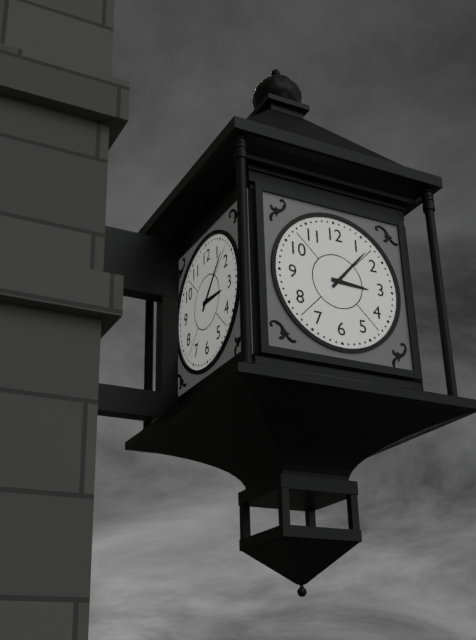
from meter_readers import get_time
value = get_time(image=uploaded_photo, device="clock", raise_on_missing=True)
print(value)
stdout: 3:07
